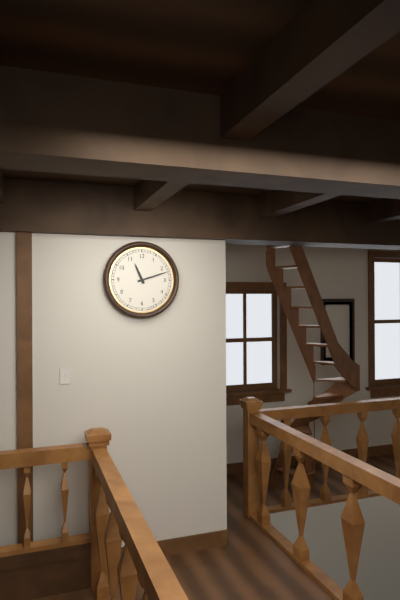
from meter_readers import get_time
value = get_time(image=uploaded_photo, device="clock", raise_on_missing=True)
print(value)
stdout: 11:12
